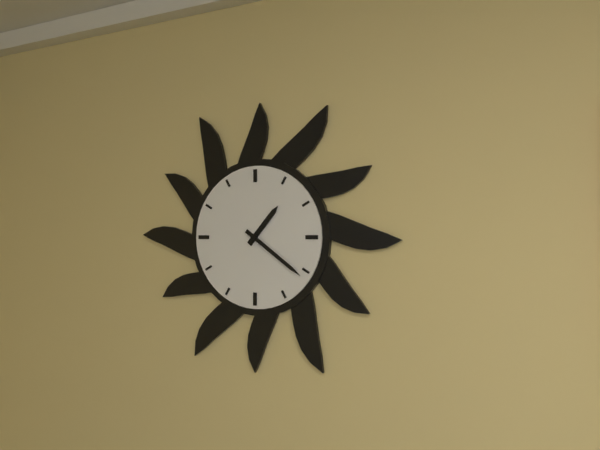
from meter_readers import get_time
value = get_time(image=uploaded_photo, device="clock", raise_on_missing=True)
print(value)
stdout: 1:21
